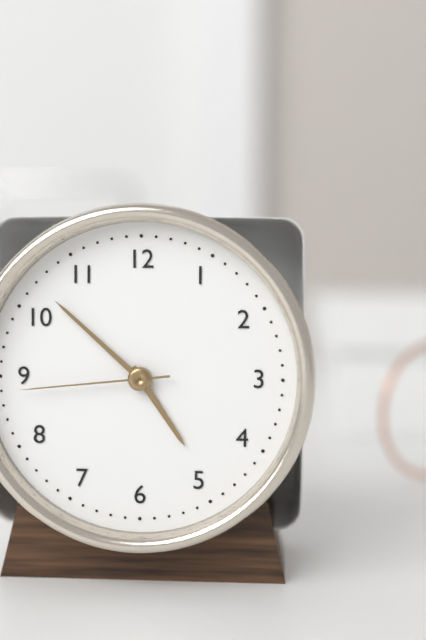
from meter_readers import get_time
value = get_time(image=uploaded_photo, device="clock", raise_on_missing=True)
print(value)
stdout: 4:52:44
